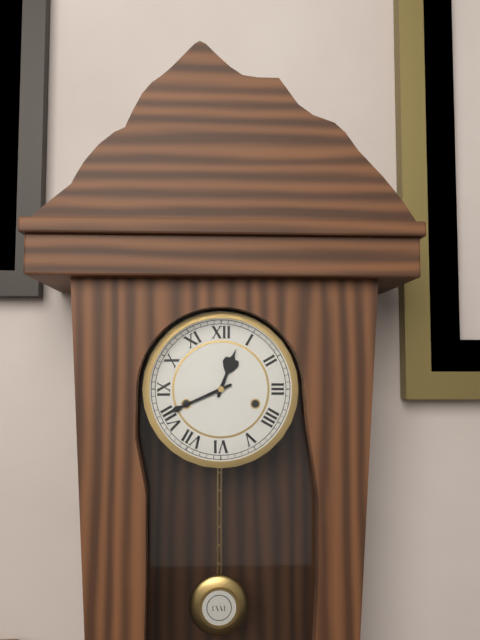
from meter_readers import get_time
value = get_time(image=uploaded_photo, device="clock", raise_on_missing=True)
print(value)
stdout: 12:41
